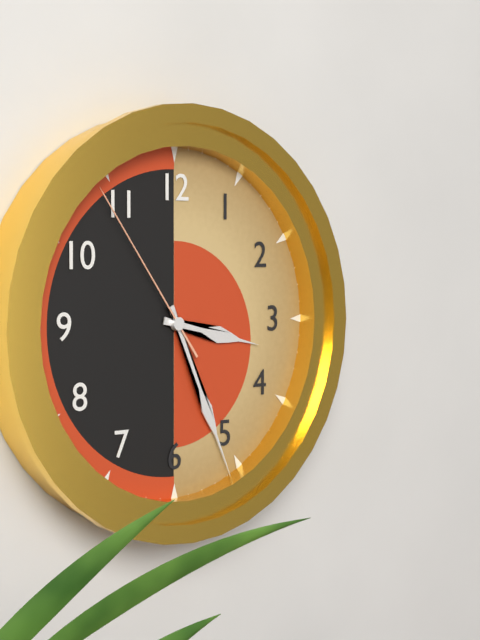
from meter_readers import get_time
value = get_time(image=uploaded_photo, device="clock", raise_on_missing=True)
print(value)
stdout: 3:26:54
